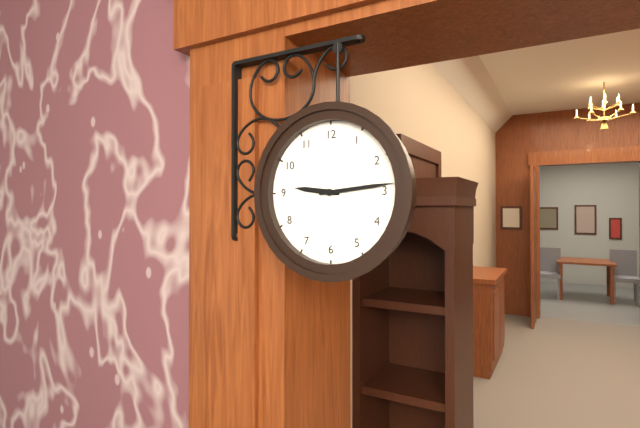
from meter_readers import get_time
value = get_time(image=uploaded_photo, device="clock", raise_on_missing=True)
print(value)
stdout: 9:14
